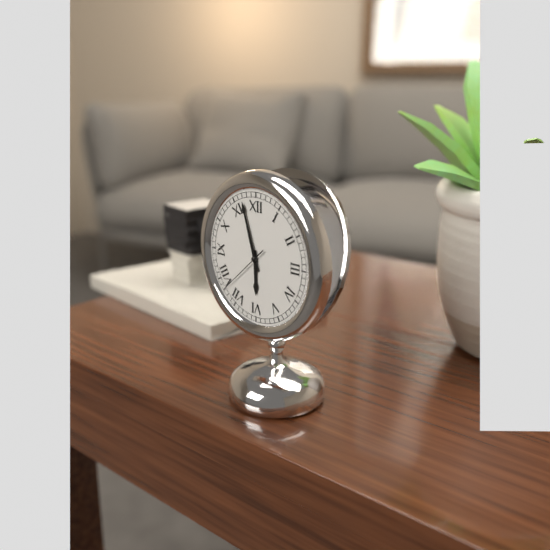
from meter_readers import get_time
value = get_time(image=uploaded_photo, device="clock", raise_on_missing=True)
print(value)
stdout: 5:57:38
